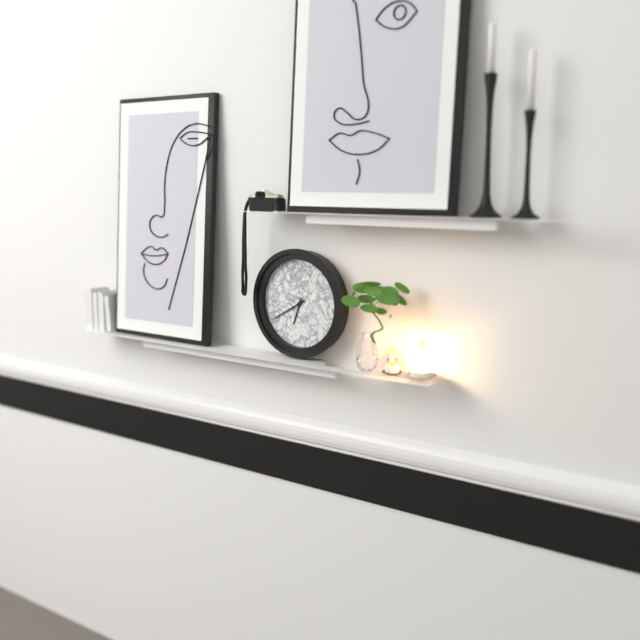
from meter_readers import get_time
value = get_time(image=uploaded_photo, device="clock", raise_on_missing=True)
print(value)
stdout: 6:40
